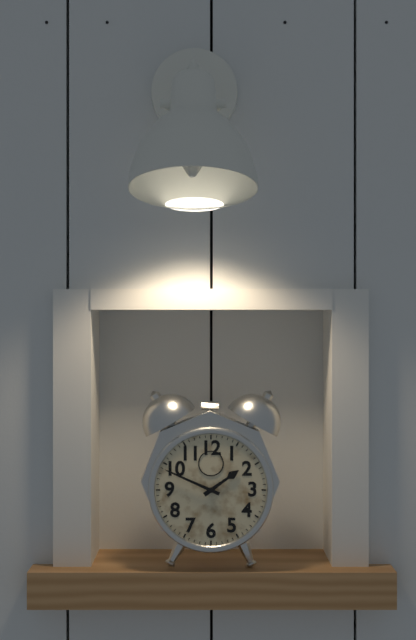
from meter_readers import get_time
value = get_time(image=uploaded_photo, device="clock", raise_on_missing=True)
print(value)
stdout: 1:49
